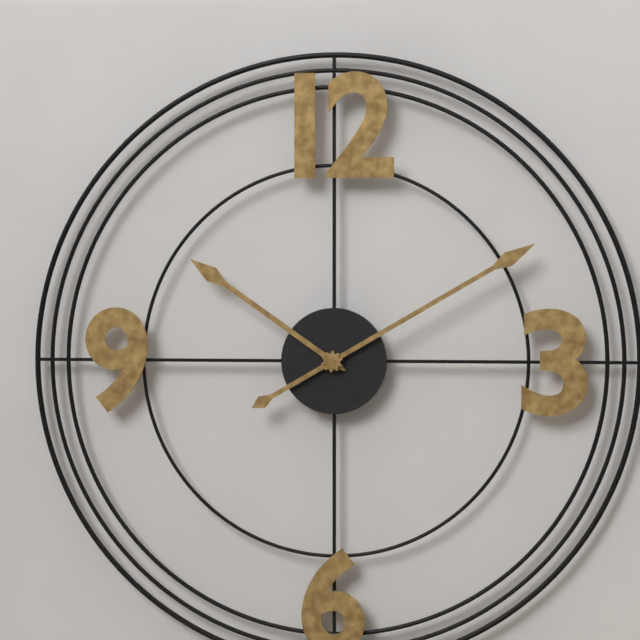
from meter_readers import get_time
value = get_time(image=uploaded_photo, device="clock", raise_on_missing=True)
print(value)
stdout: 10:10
